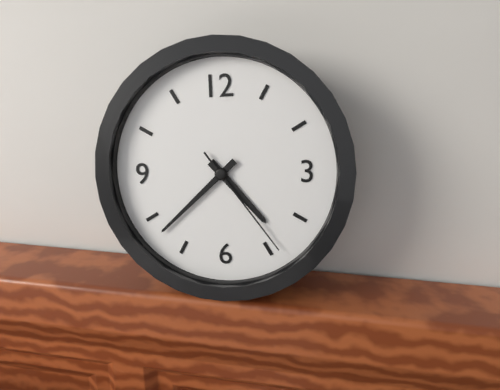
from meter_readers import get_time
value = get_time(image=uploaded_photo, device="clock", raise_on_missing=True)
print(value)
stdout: 4:38:24
